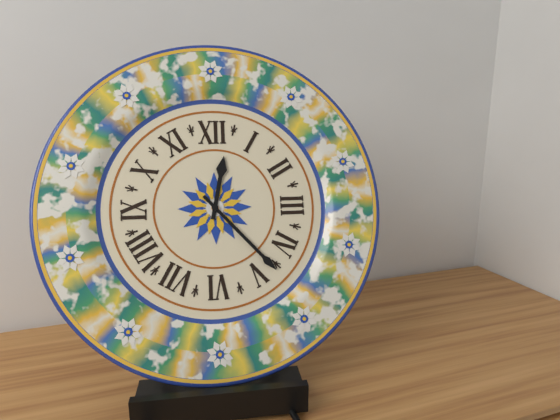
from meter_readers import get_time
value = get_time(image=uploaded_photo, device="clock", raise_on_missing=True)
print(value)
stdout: 12:23
